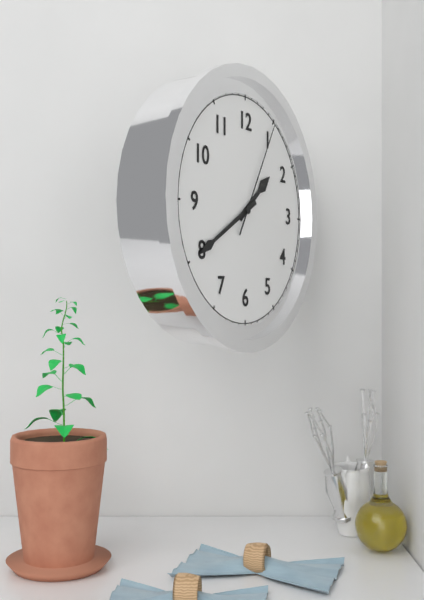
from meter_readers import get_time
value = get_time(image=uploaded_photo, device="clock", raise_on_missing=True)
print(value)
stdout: 1:40:05
